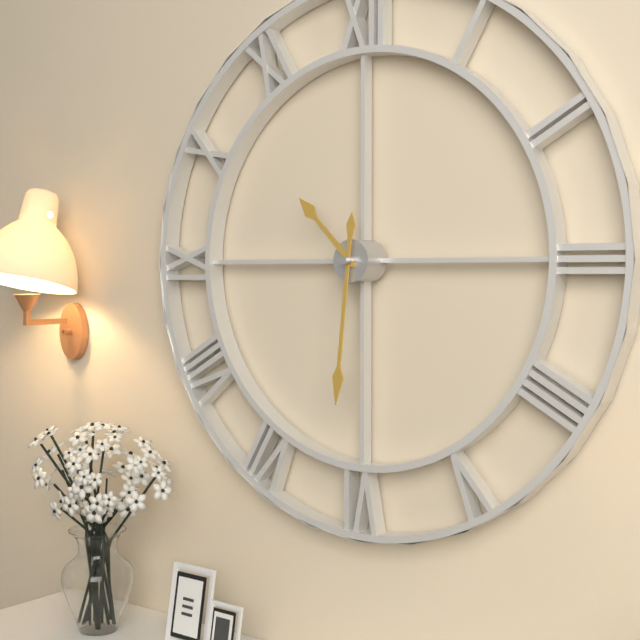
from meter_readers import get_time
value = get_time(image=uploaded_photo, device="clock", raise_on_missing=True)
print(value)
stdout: 10:31
